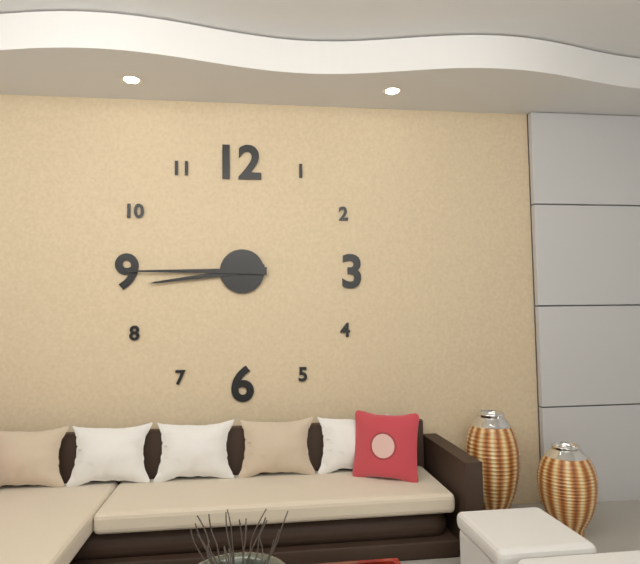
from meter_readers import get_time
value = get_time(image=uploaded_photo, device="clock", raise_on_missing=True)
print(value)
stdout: 8:45
